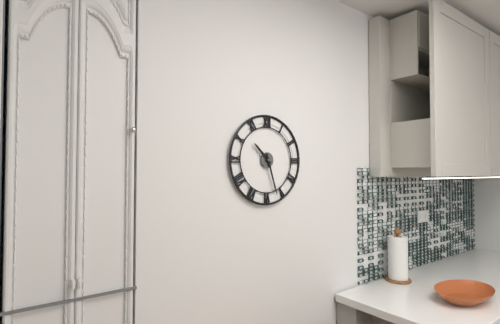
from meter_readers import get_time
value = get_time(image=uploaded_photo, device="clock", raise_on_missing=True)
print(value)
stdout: 10:27
